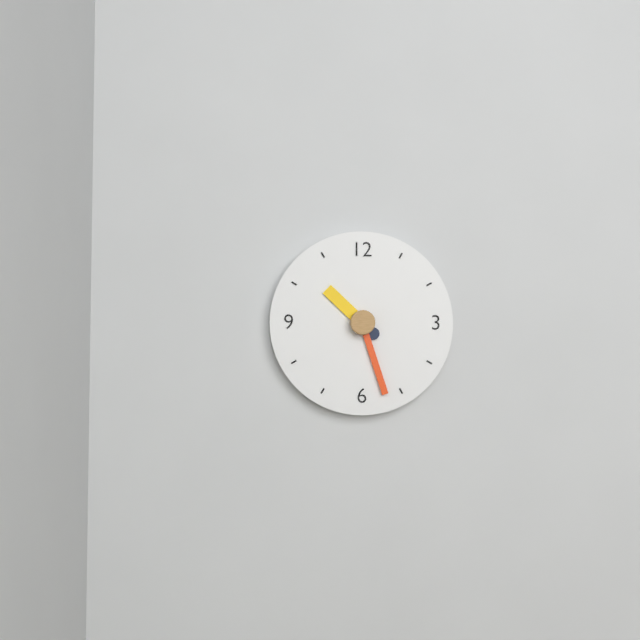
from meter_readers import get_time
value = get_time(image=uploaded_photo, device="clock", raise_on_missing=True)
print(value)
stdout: 10:27
